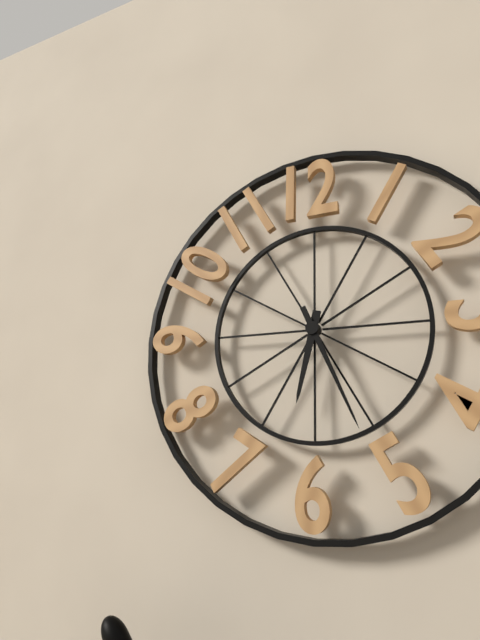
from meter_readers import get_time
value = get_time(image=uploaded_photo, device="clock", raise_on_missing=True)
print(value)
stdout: 6:26
